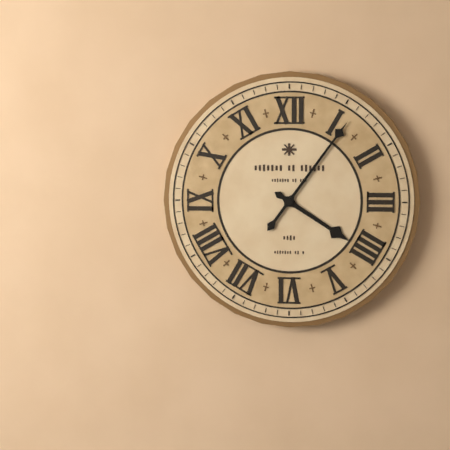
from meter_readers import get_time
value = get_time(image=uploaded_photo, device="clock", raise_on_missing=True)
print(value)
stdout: 4:06
